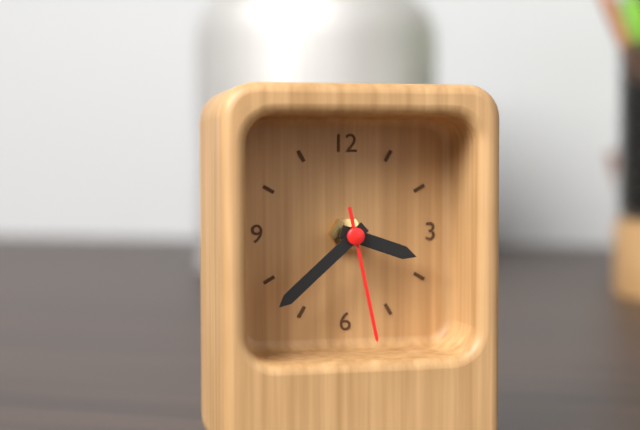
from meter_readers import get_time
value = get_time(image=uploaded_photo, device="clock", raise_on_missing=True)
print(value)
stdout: 3:38:28
